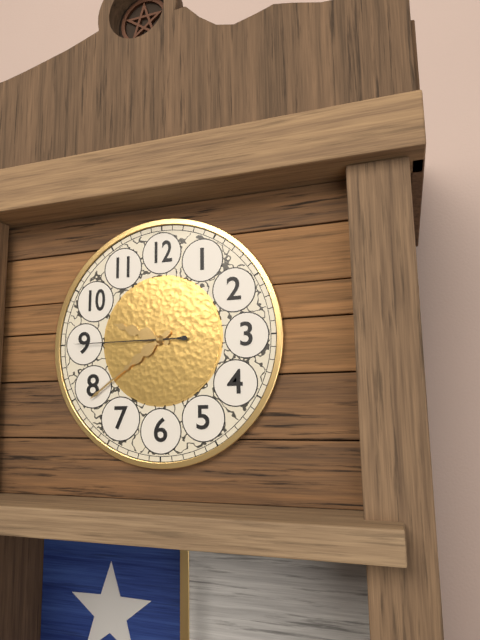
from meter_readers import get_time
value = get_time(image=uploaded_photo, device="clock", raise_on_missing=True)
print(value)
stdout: 9:39:45
